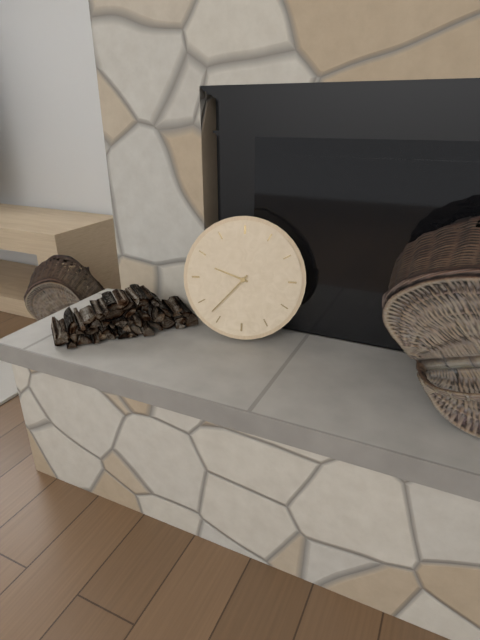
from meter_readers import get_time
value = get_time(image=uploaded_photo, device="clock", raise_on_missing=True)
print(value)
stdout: 9:37
